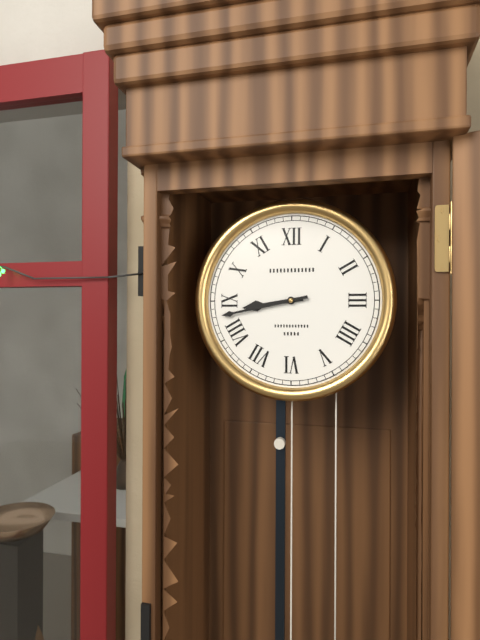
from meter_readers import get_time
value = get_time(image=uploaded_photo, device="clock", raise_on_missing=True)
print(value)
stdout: 8:43
